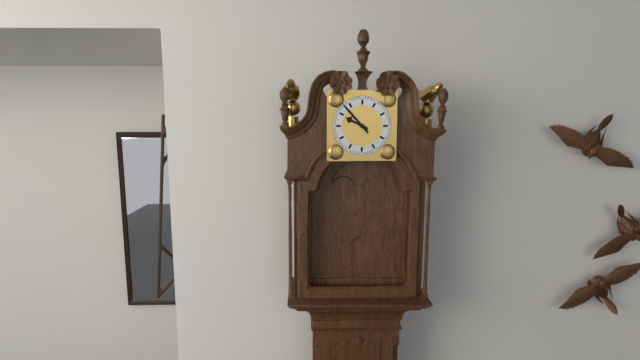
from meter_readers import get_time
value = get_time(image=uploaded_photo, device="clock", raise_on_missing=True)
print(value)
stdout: 9:53
